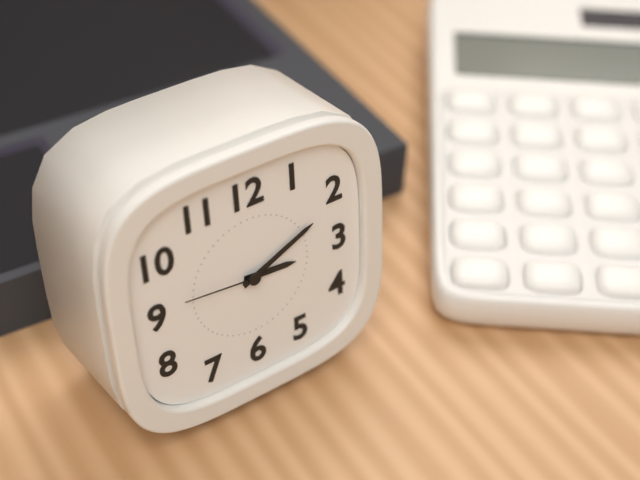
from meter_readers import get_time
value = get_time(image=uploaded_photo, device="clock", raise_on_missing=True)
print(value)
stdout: 3:11:46
